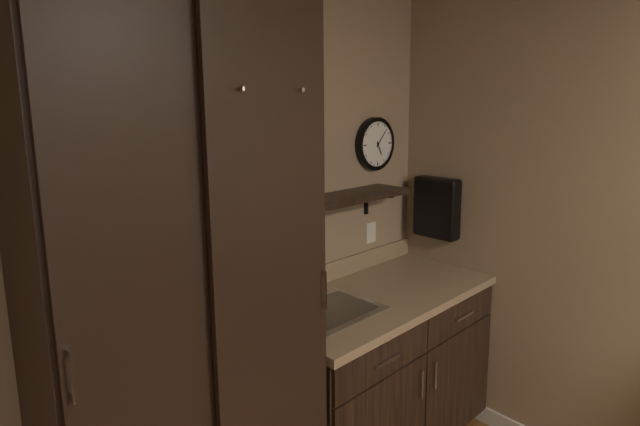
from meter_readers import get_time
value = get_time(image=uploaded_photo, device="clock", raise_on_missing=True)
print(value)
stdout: 5:07
